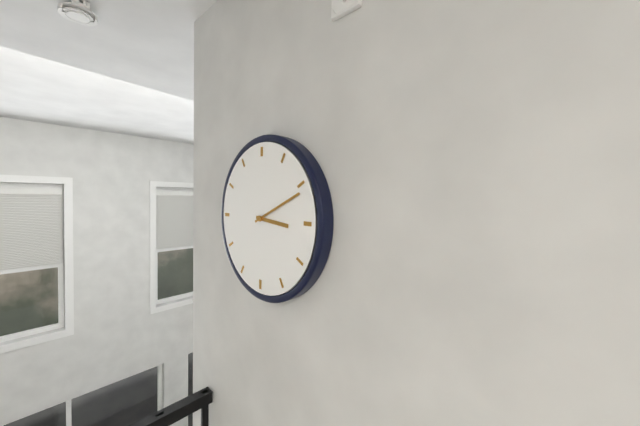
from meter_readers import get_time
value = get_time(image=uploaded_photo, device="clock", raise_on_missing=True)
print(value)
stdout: 3:11
